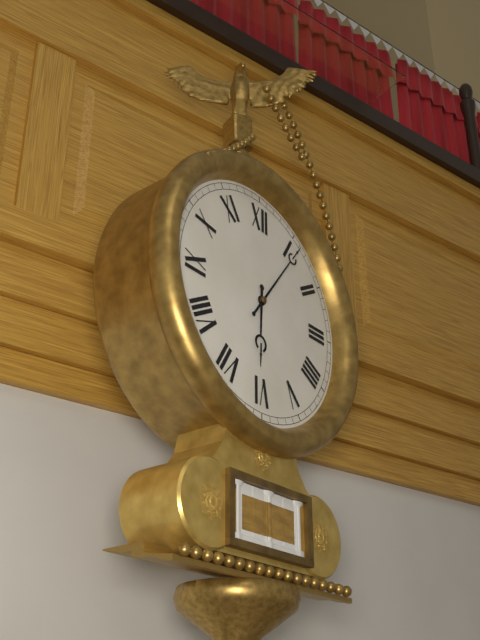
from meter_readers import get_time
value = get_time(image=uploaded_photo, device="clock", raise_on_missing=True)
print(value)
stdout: 6:06
